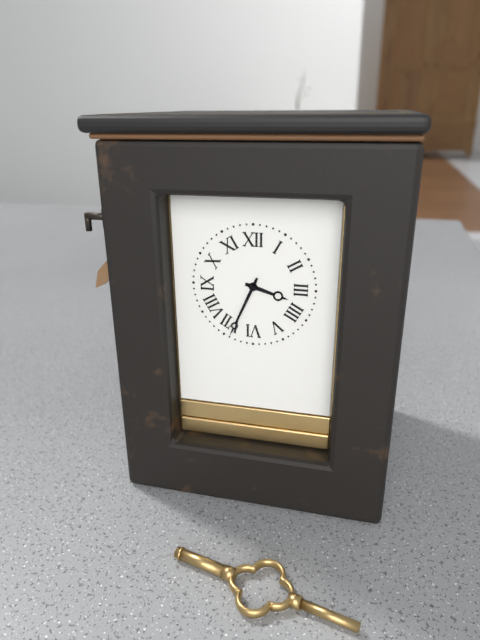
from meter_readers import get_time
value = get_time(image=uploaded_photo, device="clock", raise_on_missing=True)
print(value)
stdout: 3:34
